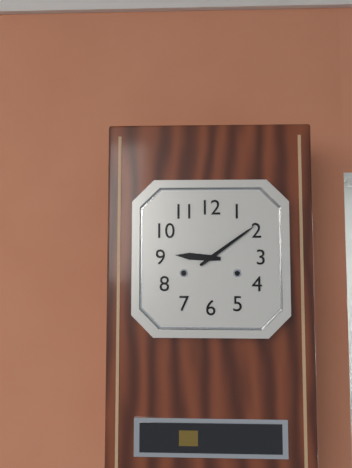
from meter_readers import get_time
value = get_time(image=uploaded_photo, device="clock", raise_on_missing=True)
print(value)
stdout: 9:09
